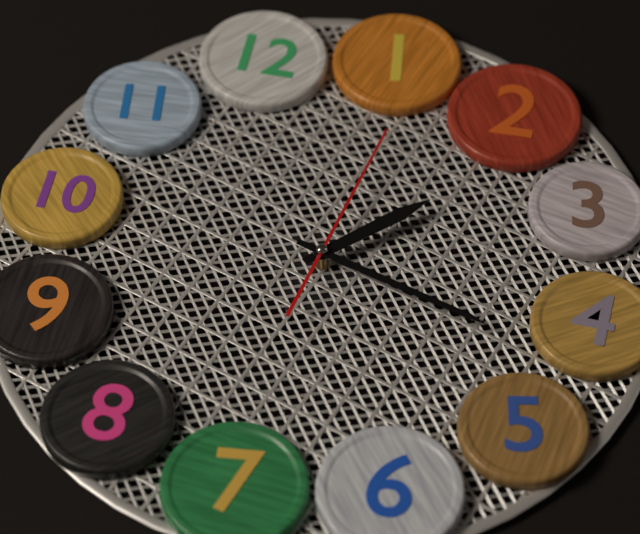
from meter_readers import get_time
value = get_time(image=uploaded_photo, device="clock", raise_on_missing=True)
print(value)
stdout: 2:22:06
